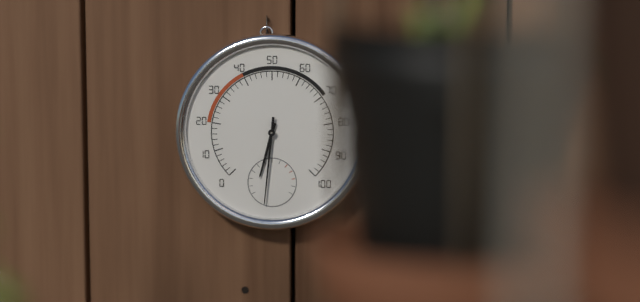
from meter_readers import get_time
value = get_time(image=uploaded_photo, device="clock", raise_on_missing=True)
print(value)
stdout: 6:31
